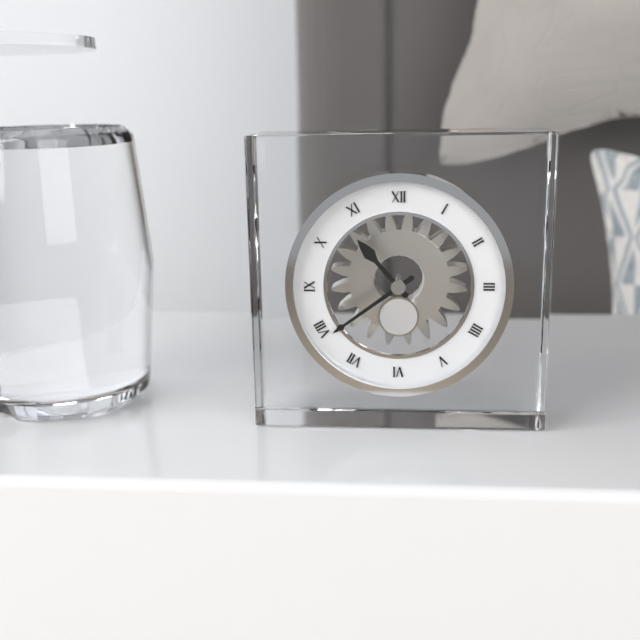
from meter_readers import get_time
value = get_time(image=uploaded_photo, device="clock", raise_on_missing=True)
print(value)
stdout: 10:39
